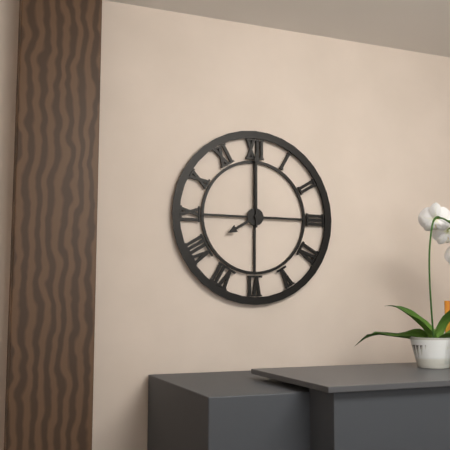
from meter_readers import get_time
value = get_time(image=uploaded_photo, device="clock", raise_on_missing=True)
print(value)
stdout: 8:00
